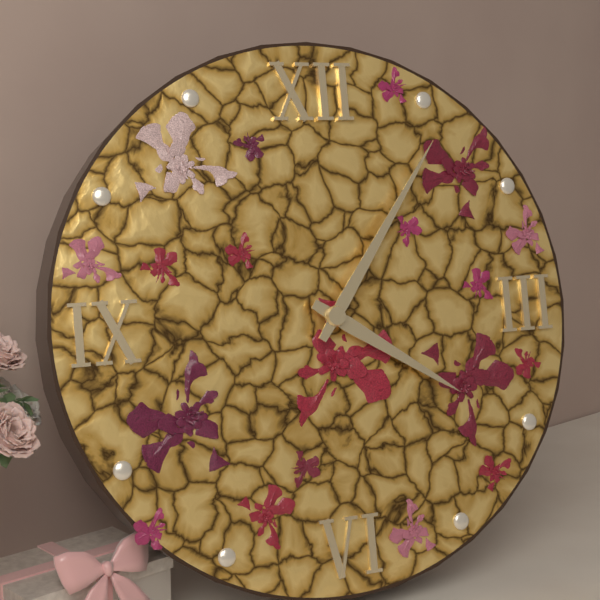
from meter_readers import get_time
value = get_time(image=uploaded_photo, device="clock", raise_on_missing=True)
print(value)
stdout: 4:06
